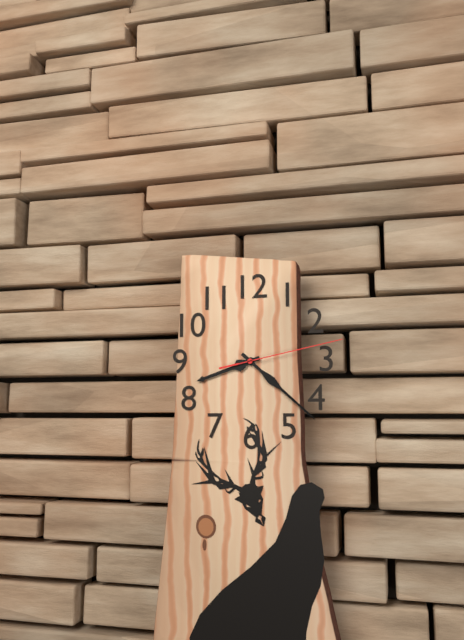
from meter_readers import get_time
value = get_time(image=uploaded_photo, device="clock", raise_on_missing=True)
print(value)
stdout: 8:22:13
